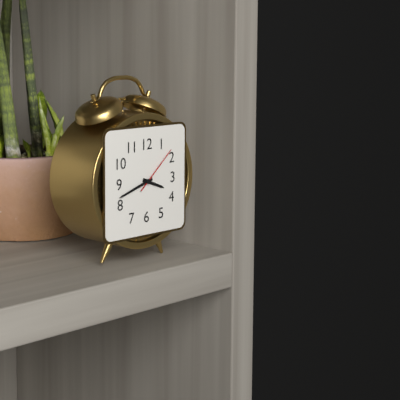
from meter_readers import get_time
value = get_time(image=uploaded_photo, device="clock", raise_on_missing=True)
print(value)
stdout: 3:42:08
